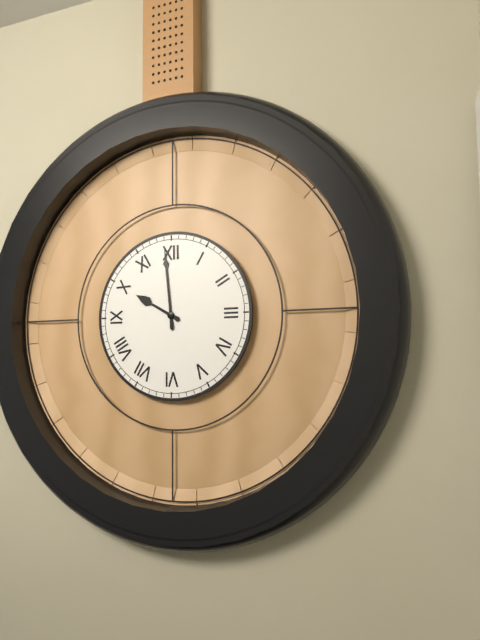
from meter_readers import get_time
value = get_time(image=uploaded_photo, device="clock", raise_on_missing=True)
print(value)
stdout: 9:59
